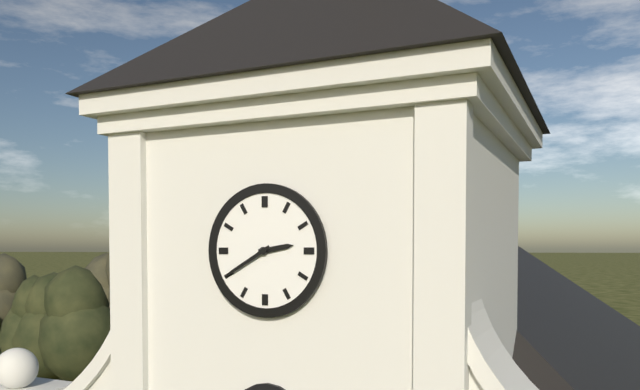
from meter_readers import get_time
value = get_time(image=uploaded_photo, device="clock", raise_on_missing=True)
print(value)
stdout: 2:40
